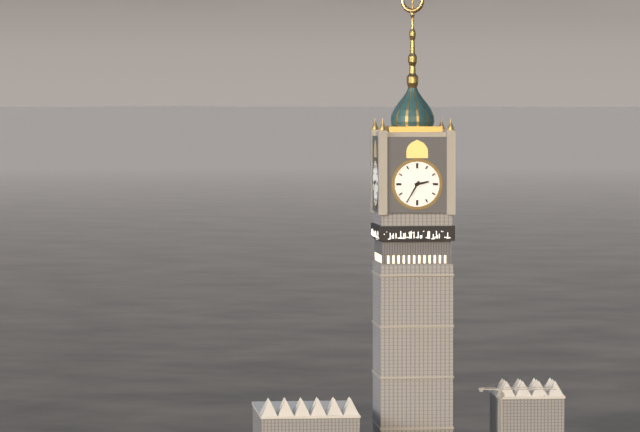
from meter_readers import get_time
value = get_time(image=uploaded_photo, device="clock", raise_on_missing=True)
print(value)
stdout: 2:35
